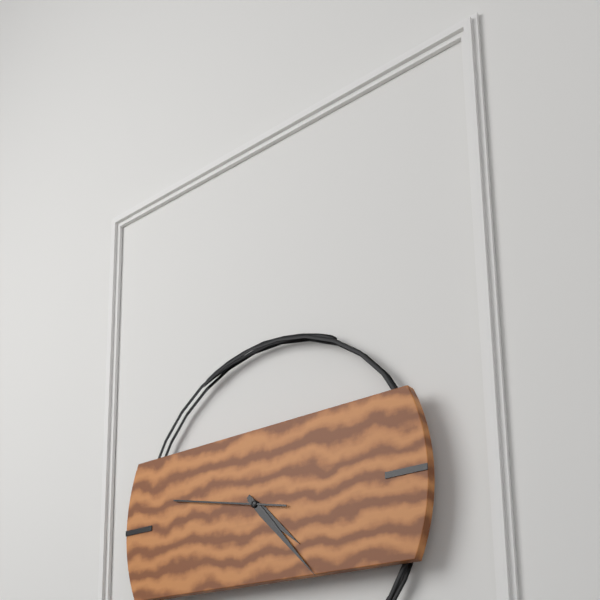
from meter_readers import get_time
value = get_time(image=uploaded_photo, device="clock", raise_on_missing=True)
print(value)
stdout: 4:23:47
